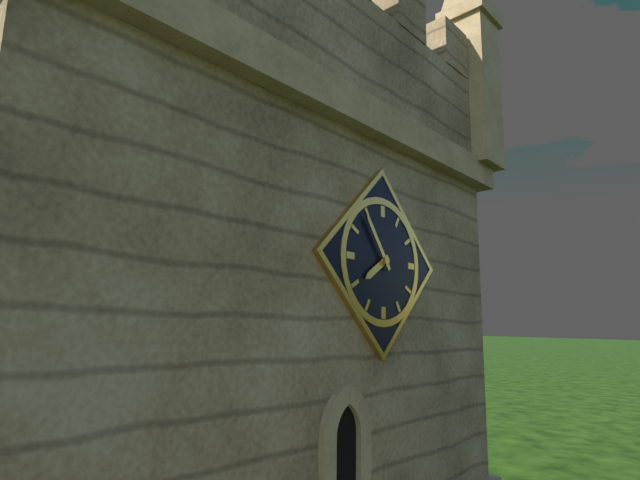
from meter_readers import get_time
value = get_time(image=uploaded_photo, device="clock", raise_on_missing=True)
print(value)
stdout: 7:54
